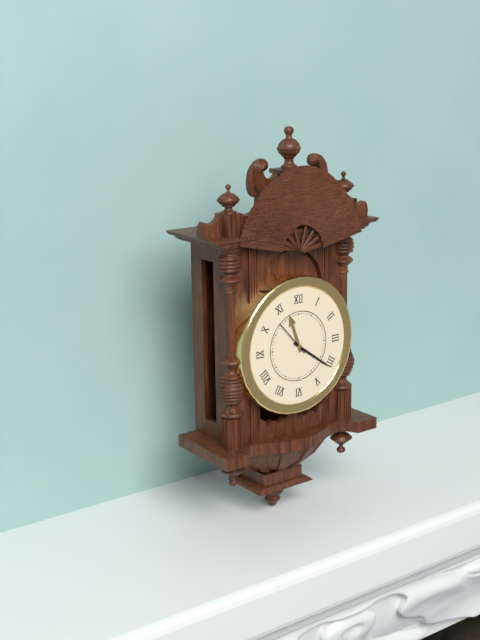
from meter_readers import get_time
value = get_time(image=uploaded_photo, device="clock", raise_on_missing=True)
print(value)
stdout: 11:21
